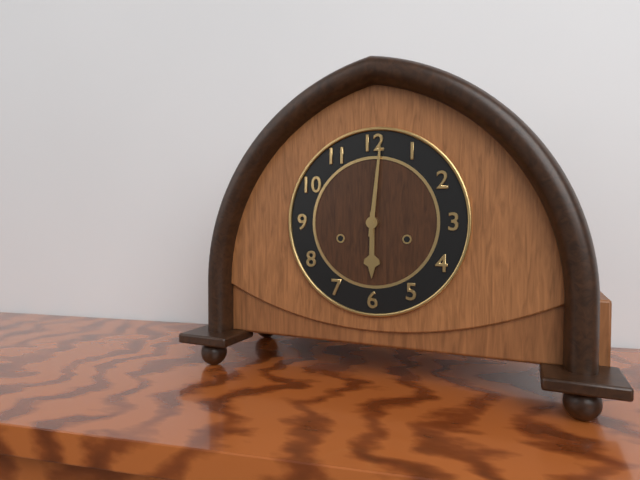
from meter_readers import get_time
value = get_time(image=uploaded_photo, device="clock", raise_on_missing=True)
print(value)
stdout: 6:01
